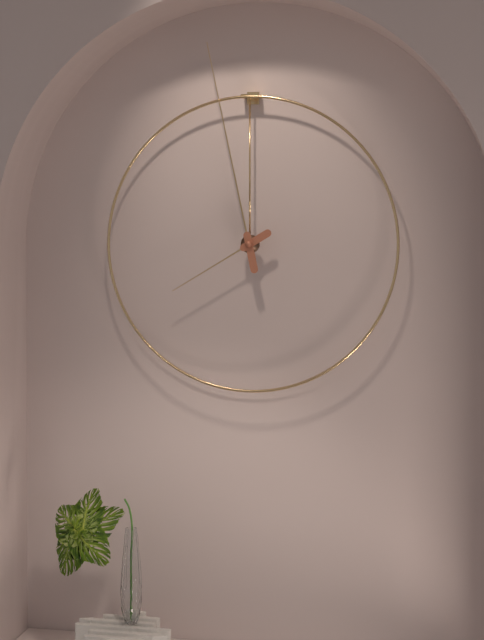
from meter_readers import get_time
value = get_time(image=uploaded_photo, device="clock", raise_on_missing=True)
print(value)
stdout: 7:58
